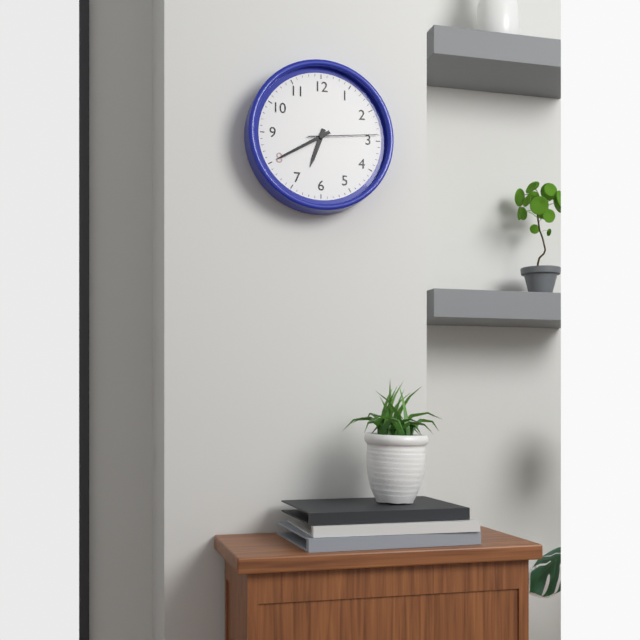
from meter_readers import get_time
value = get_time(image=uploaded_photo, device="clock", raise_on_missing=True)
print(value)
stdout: 6:40:14
